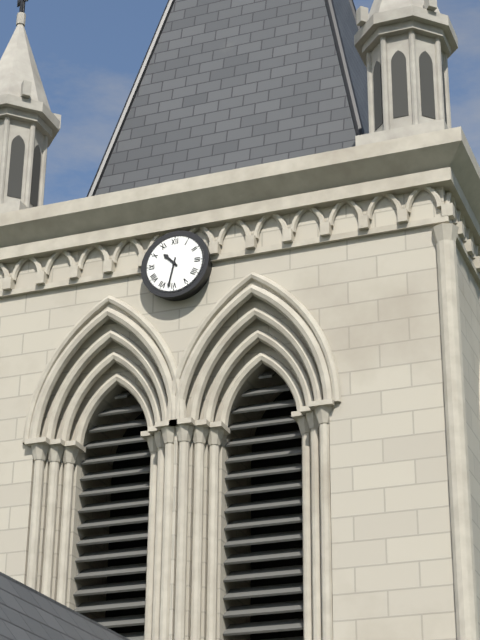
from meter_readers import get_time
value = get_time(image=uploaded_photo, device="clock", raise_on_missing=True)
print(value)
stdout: 10:32
